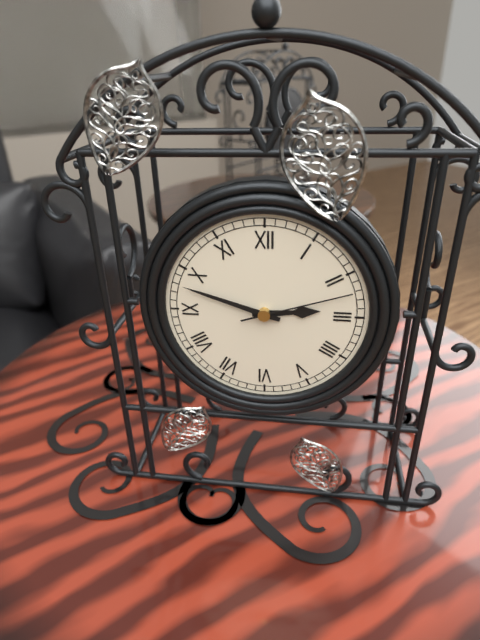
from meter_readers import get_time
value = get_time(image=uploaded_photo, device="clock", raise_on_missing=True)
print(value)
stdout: 2:48:12
